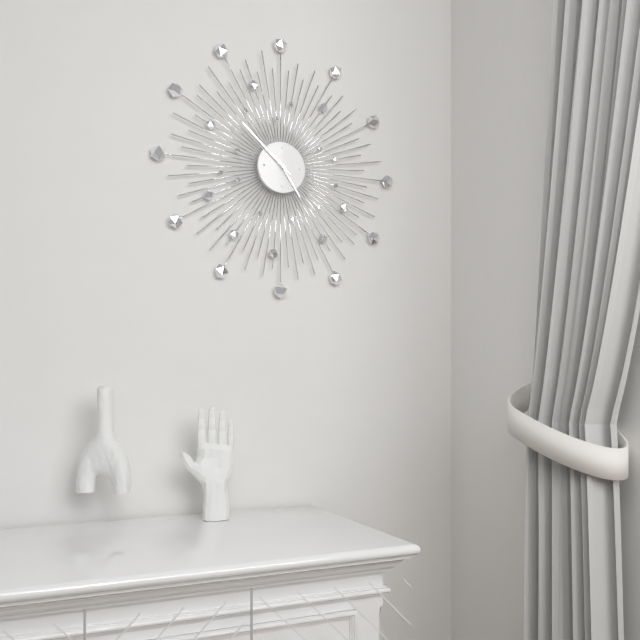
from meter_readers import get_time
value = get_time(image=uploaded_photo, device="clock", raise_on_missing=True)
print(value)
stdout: 4:52
